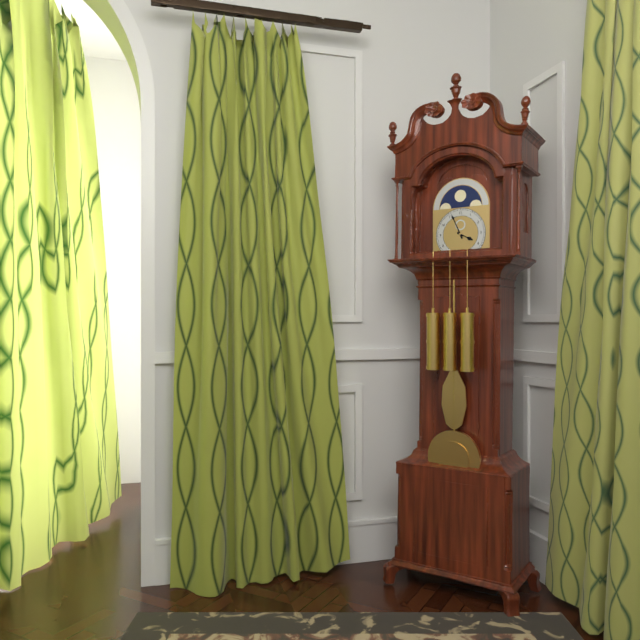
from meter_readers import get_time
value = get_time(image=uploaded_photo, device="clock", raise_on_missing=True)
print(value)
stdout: 3:56
